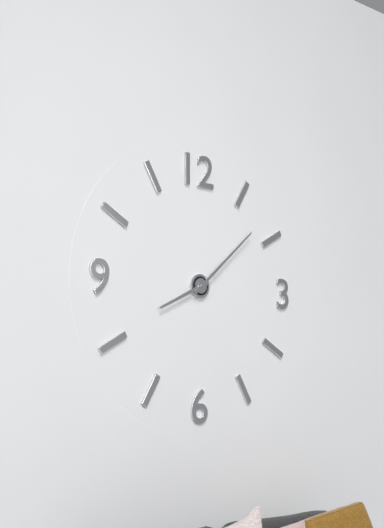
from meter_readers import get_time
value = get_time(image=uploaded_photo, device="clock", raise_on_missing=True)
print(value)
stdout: 8:08
